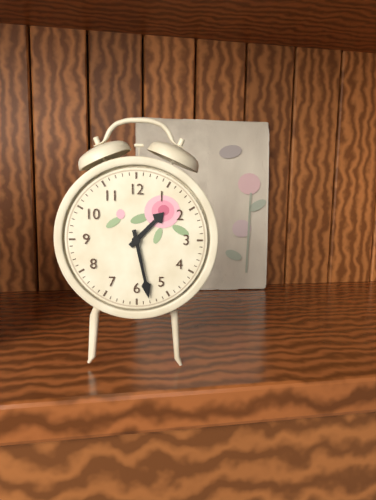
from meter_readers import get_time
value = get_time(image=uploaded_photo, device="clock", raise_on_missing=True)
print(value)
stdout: 1:28
